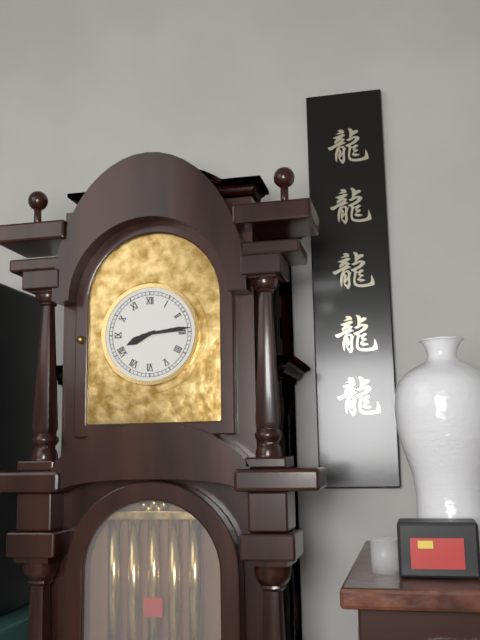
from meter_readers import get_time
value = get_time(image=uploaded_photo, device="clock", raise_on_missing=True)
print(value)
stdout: 8:14
